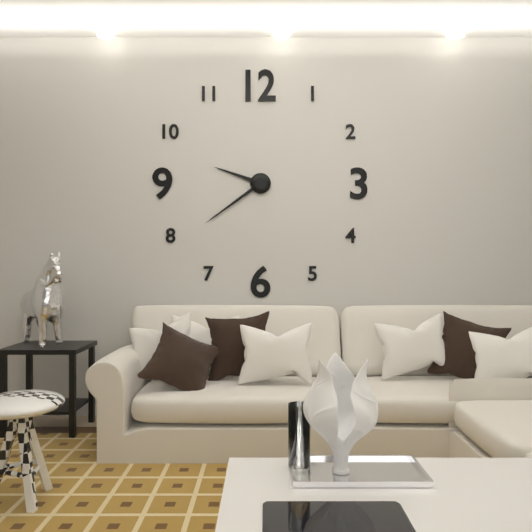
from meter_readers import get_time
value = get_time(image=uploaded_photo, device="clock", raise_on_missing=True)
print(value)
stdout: 9:39
